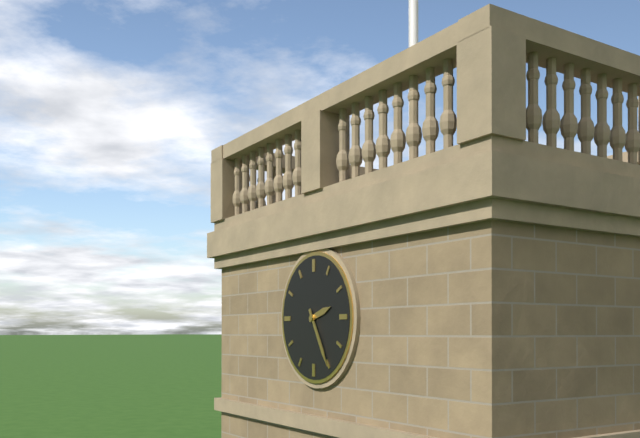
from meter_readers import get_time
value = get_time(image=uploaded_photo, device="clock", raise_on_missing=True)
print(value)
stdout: 2:25
